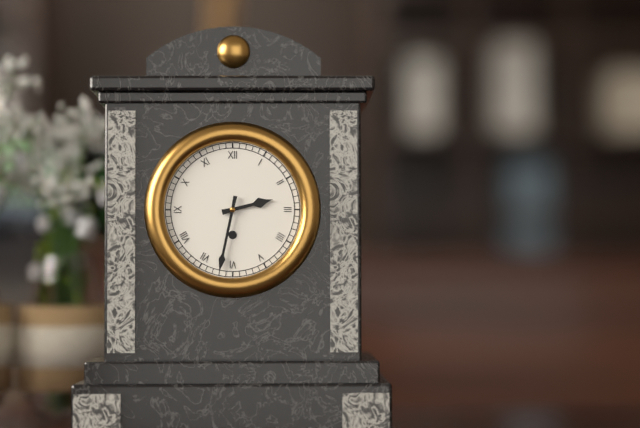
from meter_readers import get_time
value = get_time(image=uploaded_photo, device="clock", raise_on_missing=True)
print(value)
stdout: 2:32
